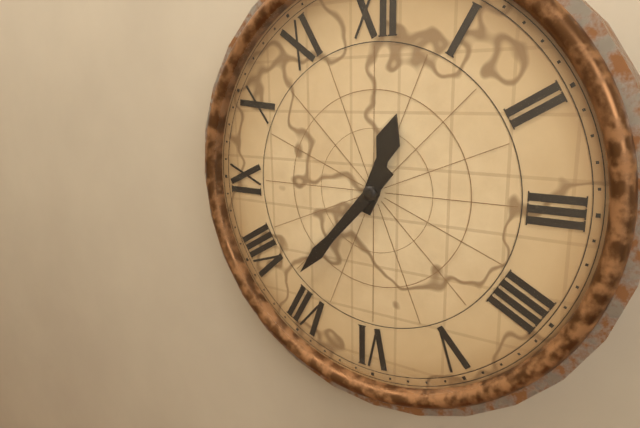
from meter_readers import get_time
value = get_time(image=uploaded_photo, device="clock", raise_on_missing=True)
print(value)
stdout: 12:37
